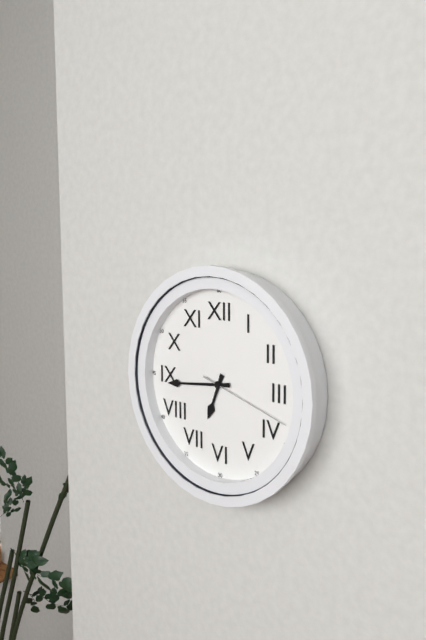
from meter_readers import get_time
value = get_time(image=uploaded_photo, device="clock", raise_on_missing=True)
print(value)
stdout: 6:44:18
